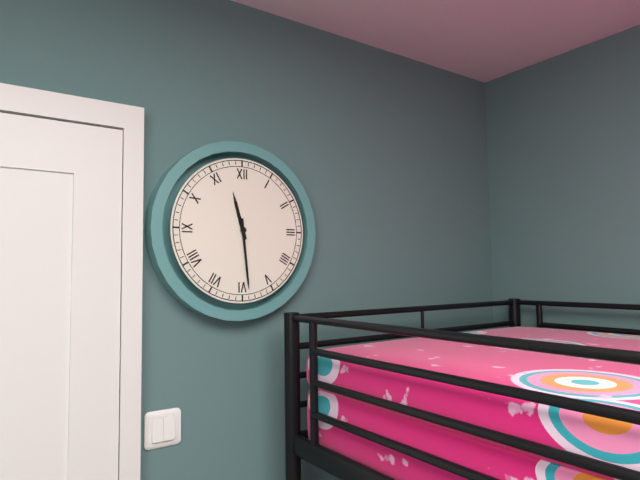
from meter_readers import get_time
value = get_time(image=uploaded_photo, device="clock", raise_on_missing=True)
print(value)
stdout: 11:29
